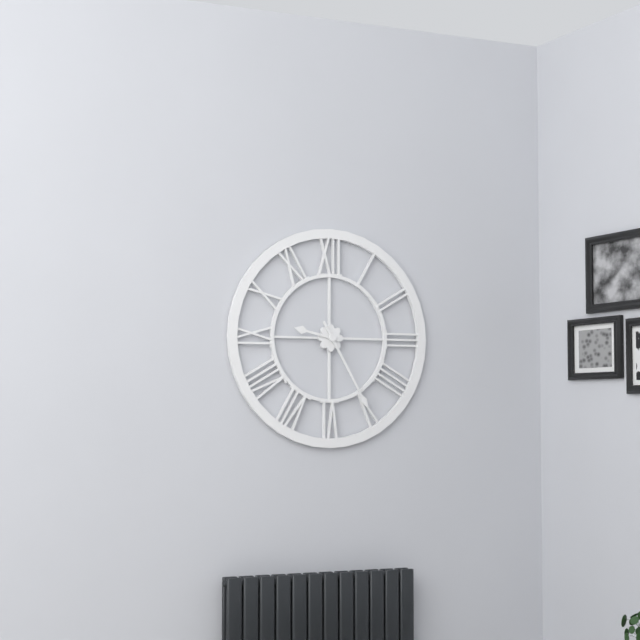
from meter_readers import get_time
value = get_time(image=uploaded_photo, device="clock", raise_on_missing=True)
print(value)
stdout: 9:25
